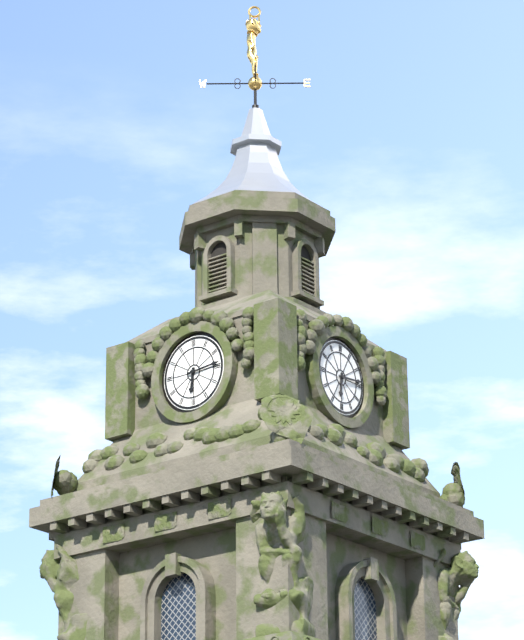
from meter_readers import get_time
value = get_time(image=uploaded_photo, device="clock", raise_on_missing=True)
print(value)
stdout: 6:14
